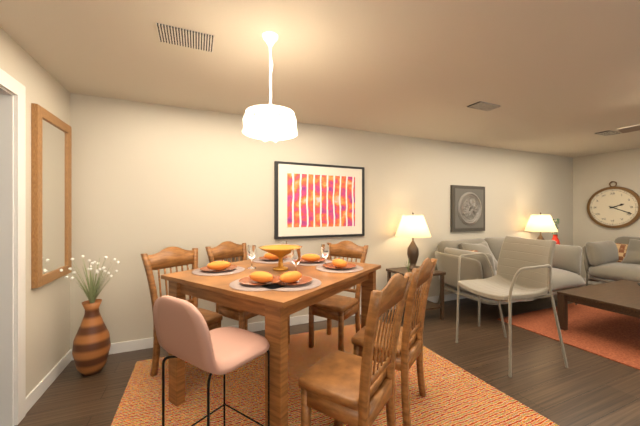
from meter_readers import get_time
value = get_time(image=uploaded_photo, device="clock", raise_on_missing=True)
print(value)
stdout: 2:19
